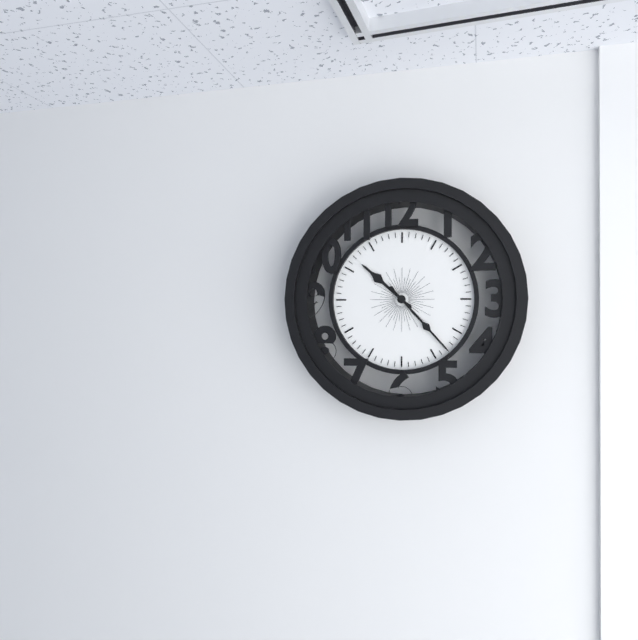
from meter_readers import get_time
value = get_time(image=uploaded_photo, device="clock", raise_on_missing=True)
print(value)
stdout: 10:23
